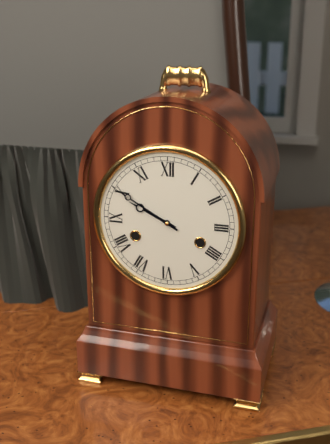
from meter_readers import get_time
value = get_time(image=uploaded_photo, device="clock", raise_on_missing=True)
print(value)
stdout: 9:50
